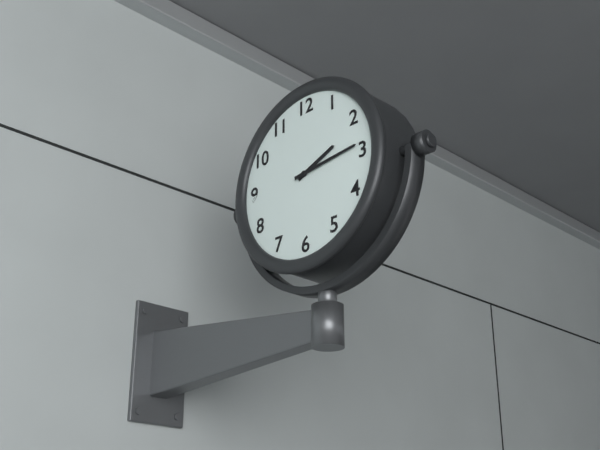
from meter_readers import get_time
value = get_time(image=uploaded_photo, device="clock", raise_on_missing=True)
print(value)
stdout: 2:14
